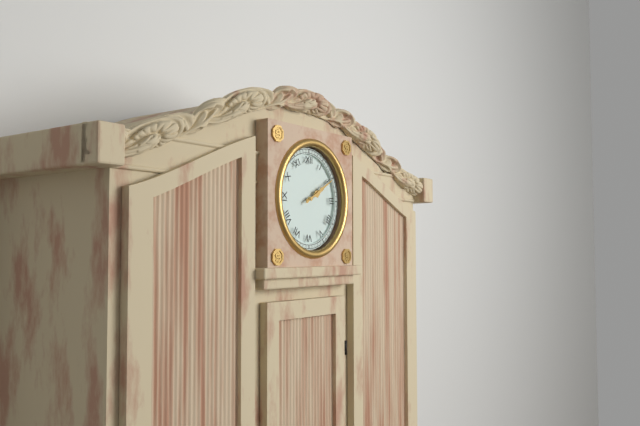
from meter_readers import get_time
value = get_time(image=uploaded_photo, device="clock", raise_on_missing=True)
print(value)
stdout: 2:10
